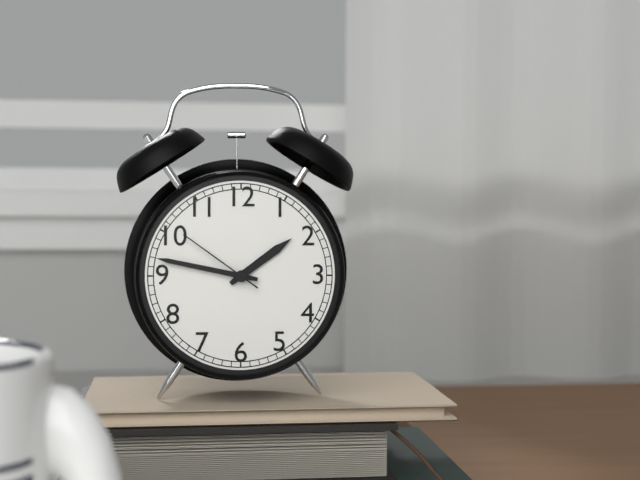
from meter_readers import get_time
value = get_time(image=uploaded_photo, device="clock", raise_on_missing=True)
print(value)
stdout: 1:47:51
